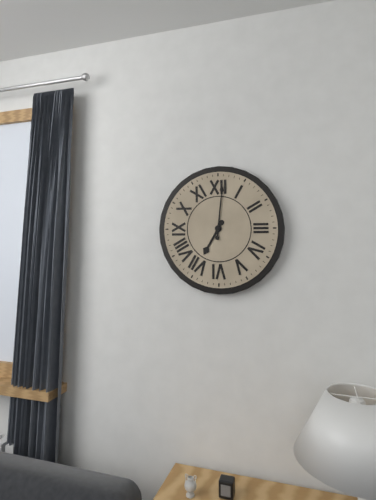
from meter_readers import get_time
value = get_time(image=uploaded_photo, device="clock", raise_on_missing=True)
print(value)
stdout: 7:01
